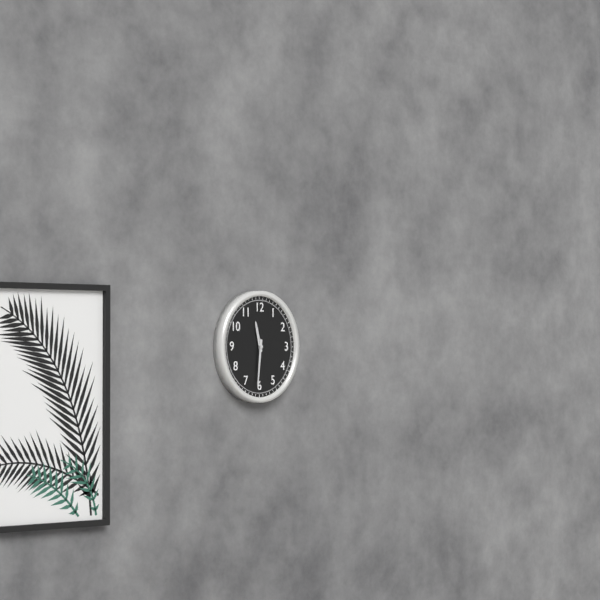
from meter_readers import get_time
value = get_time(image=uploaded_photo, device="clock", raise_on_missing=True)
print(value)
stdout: 11:31
